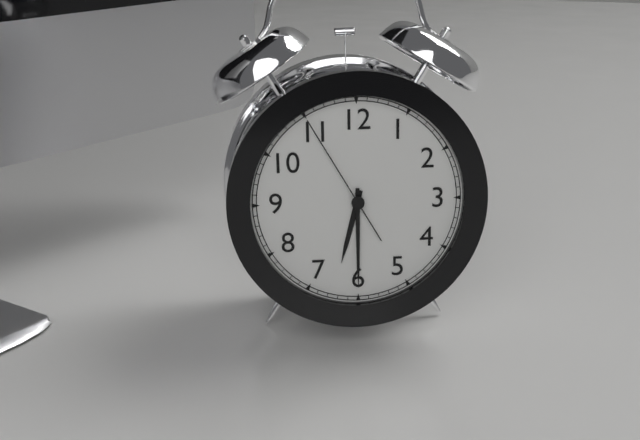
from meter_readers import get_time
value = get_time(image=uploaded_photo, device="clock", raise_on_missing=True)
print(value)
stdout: 6:30:55
